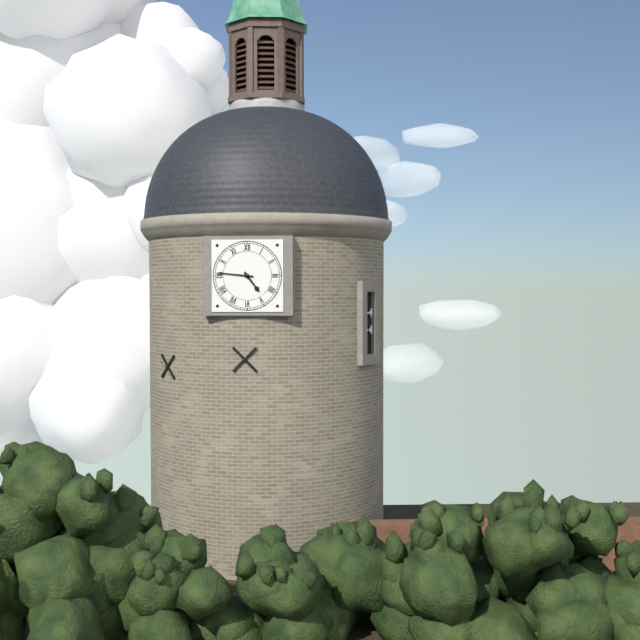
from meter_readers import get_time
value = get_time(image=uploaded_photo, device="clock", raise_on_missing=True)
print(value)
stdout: 4:46
